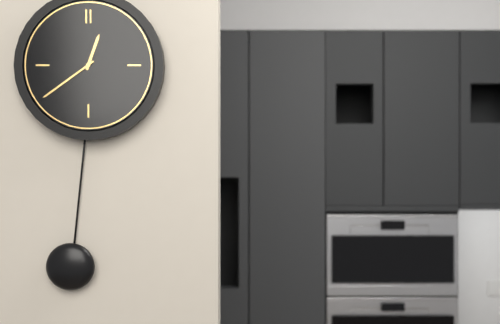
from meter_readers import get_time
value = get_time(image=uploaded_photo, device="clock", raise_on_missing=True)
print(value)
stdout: 12:39
